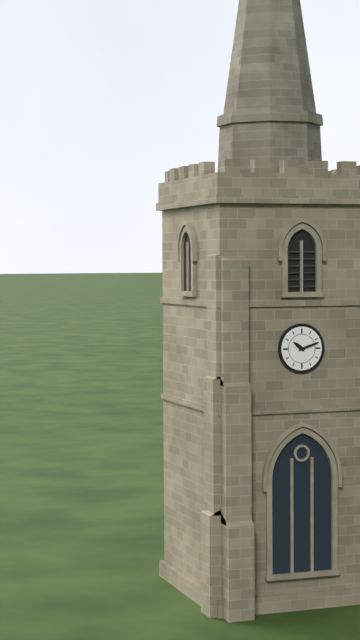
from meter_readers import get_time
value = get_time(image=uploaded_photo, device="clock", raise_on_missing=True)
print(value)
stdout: 10:12
